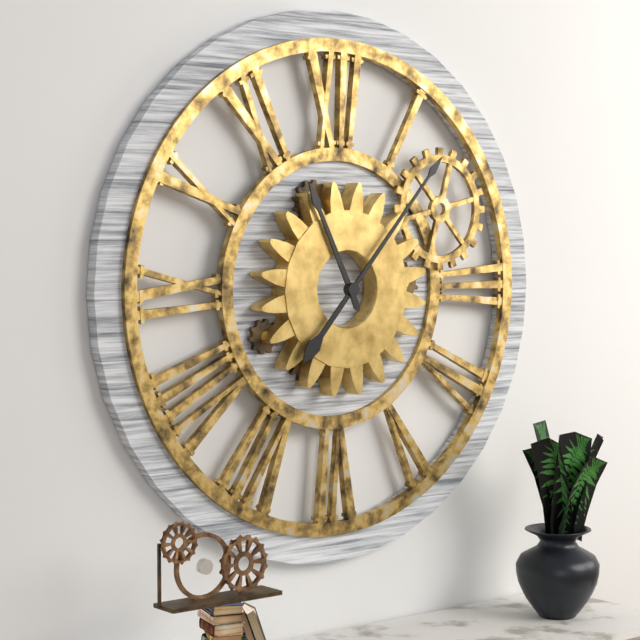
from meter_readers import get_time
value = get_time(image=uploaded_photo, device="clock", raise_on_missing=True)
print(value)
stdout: 11:07
